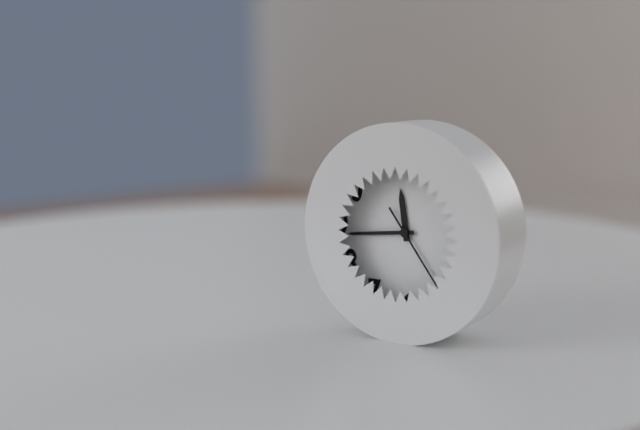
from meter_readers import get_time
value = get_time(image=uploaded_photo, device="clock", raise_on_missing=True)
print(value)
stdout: 11:44:24
